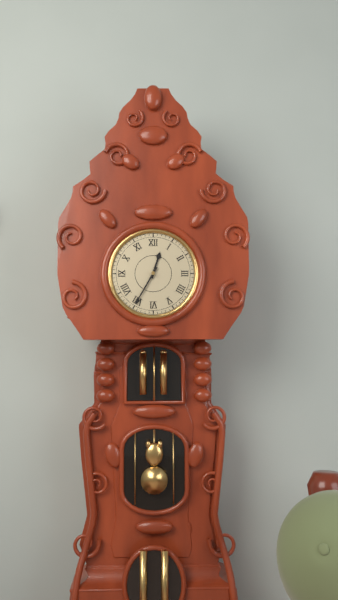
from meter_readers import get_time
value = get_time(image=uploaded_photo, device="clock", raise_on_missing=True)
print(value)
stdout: 12:35
